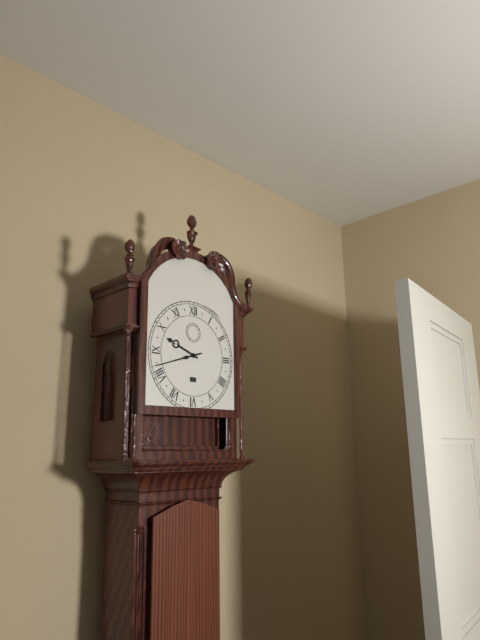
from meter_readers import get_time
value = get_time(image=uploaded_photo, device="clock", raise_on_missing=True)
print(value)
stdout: 9:42
